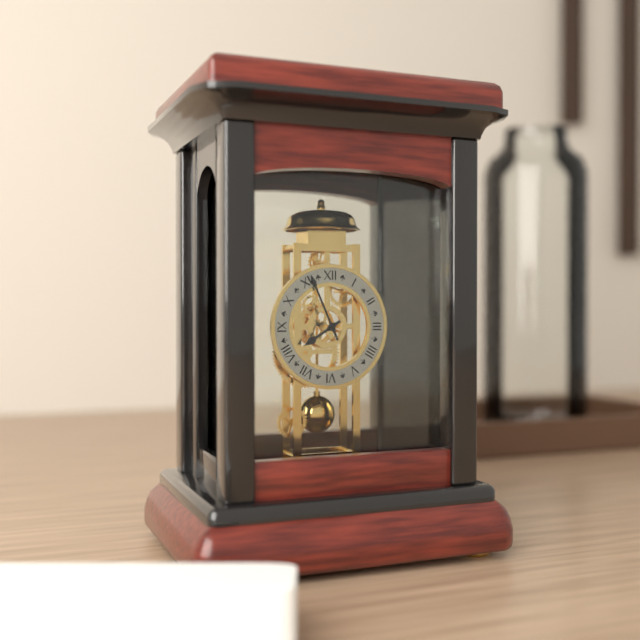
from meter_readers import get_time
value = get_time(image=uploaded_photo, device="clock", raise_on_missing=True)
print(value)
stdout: 7:56
